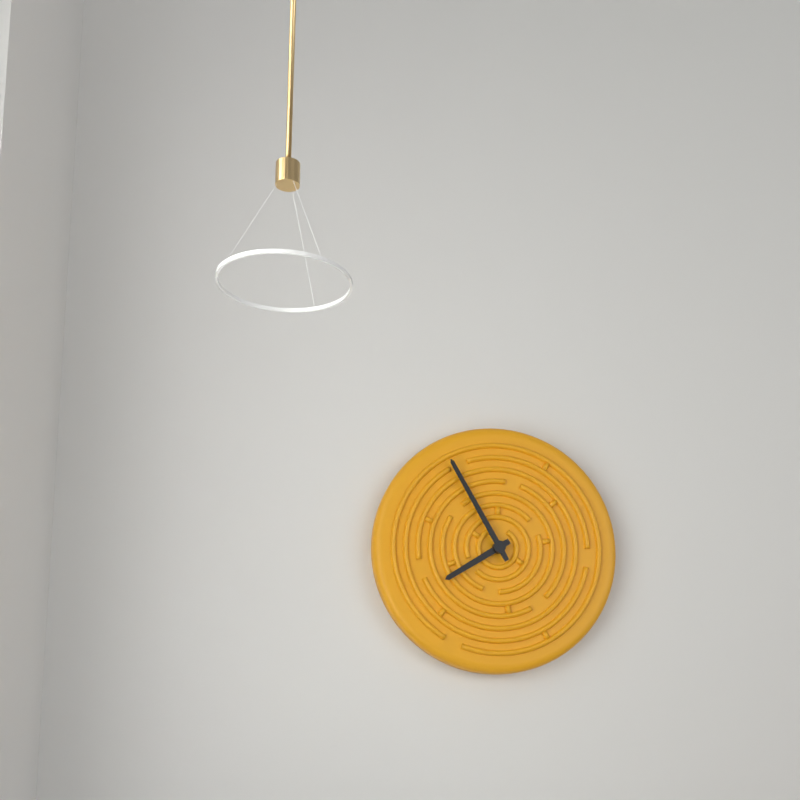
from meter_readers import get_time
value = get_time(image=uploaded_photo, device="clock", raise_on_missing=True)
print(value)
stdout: 7:55
